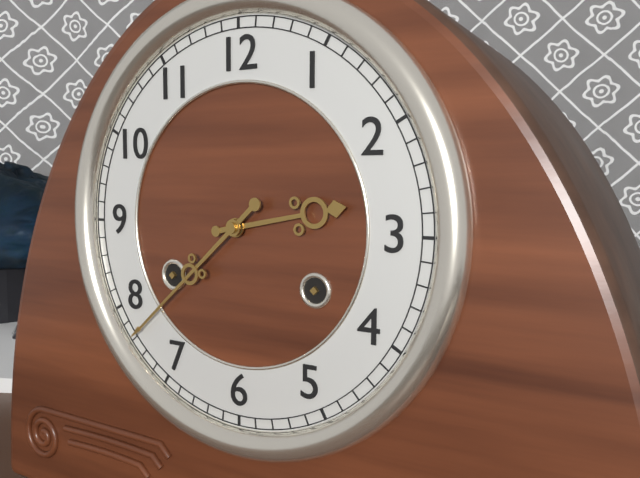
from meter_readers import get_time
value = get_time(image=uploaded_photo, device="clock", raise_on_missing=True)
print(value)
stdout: 2:38
